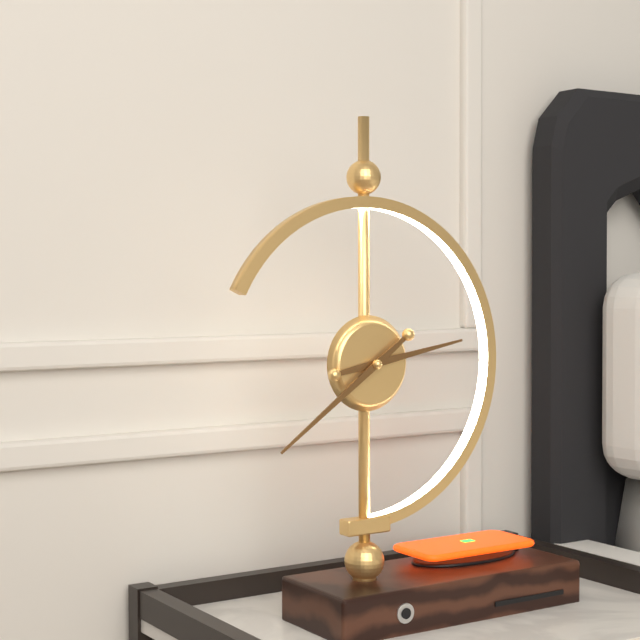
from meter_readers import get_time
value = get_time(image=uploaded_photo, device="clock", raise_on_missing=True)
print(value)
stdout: 2:39
